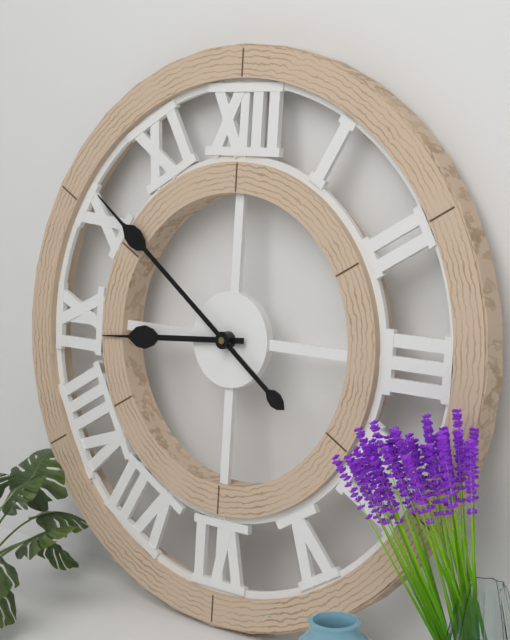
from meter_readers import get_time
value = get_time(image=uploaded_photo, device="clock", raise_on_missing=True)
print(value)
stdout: 8:51
